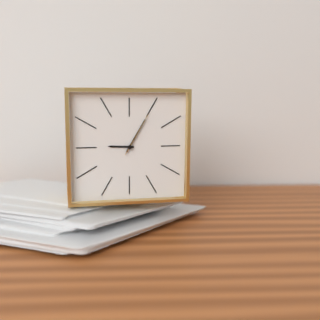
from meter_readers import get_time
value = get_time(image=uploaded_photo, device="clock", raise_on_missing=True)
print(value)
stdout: 9:05
